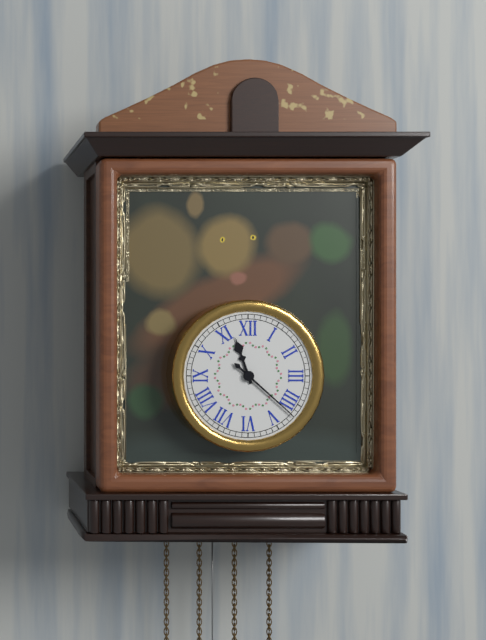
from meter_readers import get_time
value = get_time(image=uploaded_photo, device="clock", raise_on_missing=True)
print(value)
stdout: 11:22
